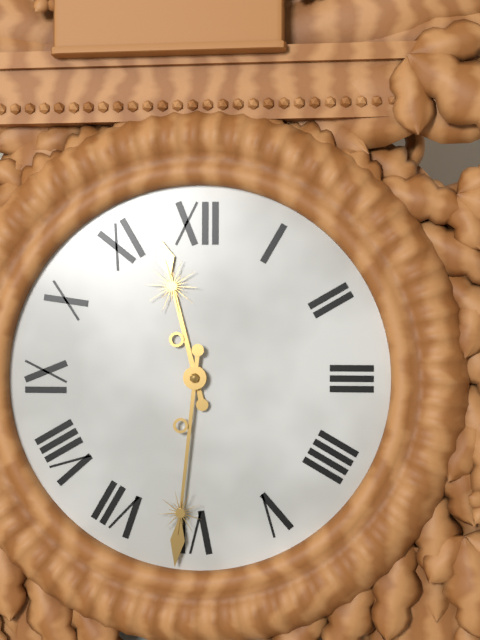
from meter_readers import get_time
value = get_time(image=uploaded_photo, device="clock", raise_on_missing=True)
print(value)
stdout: 11:31
